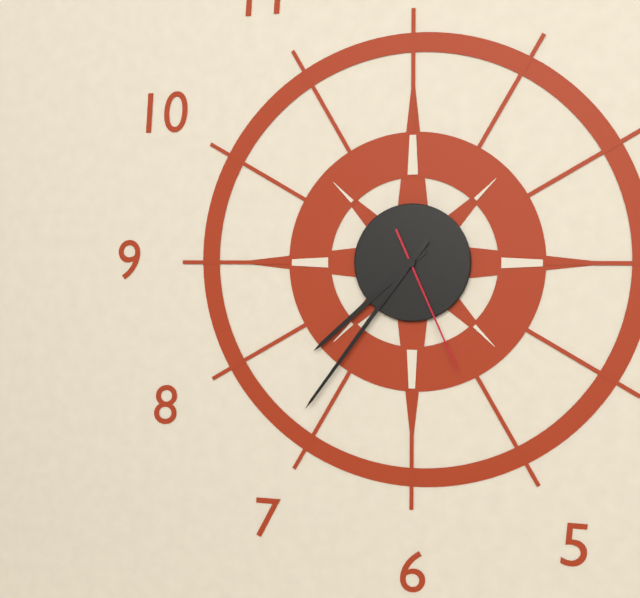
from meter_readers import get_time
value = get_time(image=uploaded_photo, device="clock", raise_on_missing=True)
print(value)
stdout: 7:36:26
